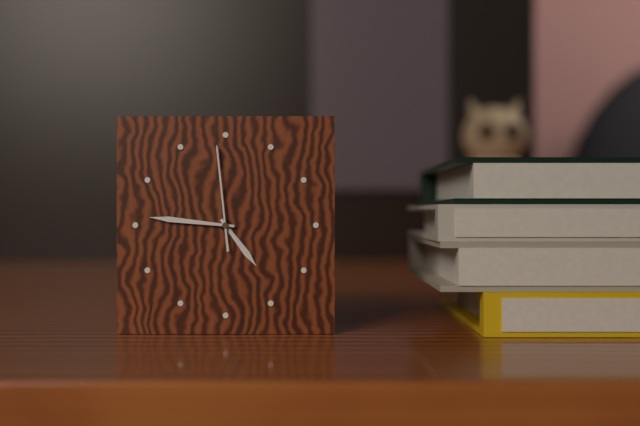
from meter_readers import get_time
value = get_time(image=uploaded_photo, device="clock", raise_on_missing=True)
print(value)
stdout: 4:46:59
